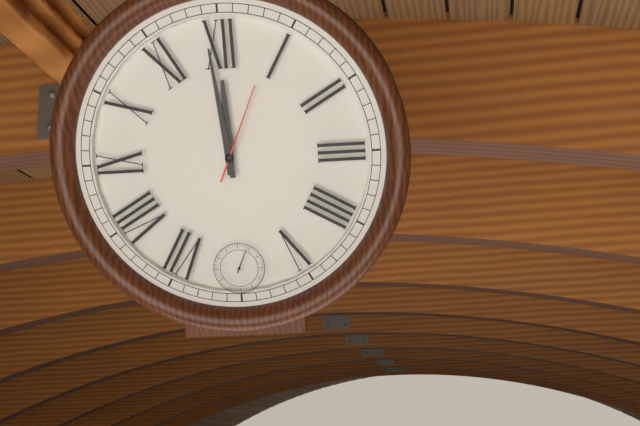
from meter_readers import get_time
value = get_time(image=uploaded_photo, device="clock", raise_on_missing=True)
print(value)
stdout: 11:59:04
